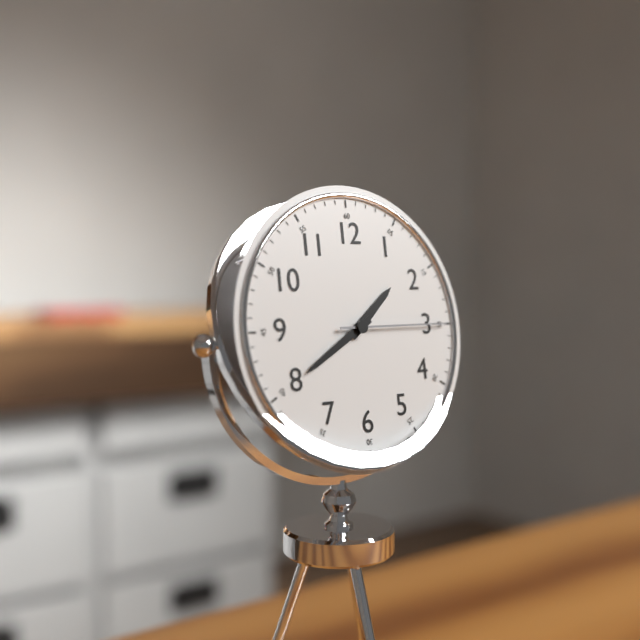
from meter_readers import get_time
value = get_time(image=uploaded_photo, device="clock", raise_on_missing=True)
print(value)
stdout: 1:40:15
